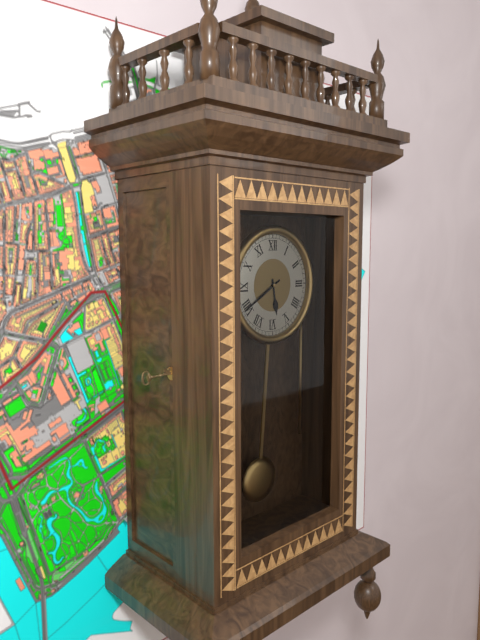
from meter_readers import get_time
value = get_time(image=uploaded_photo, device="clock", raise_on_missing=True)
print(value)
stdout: 5:40
